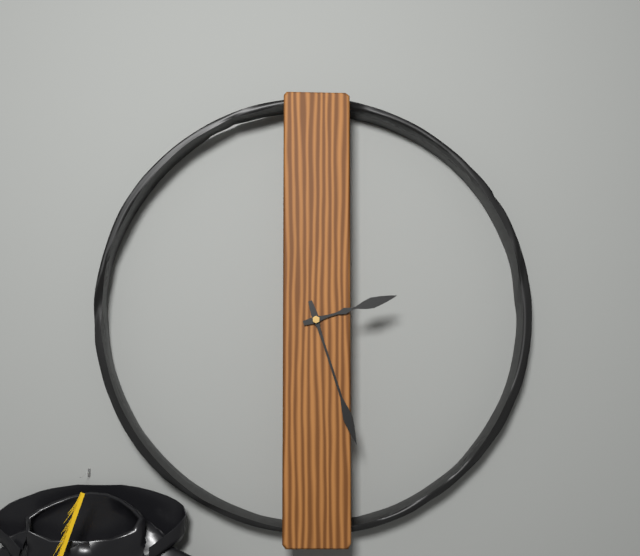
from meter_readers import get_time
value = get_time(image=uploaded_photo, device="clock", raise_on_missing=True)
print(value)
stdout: 2:27
